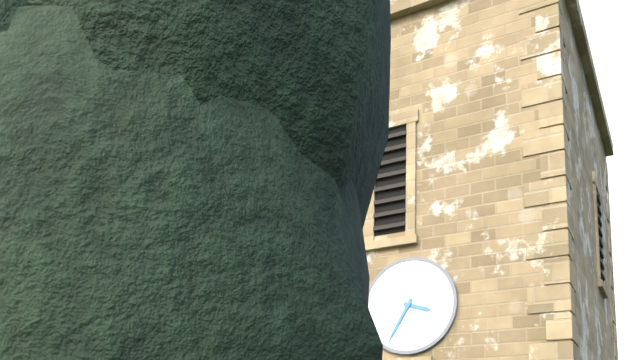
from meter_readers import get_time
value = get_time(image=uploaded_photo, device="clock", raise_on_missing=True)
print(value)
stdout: 3:35
